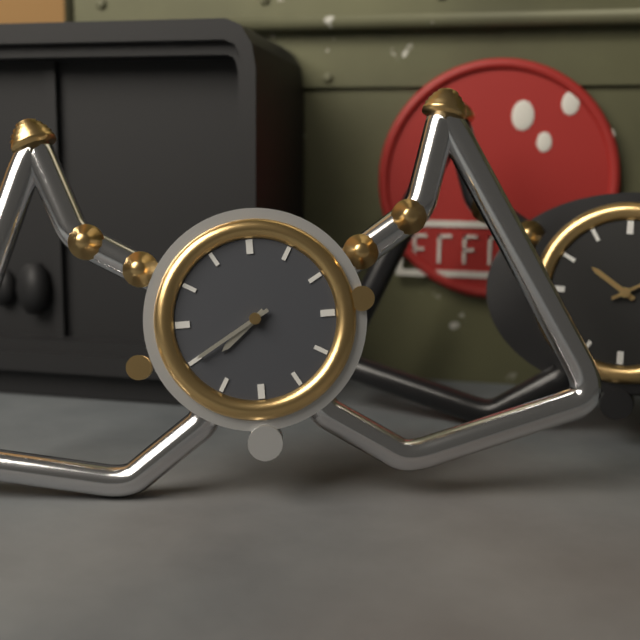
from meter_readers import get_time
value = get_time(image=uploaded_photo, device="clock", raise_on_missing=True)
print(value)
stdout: 7:40
